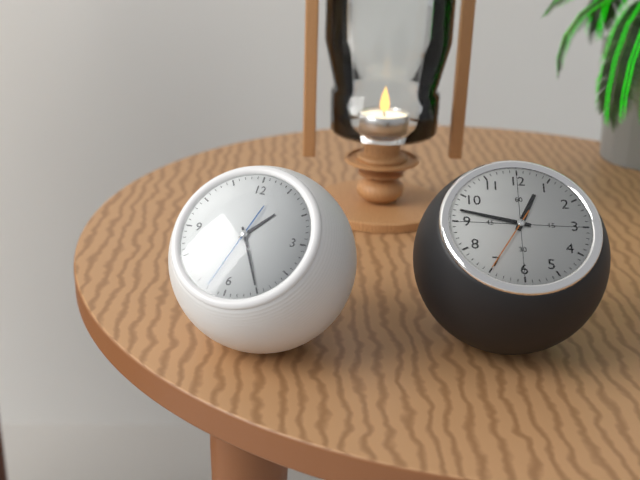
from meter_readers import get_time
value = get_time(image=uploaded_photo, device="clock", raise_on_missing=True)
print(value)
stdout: 1:25:33
